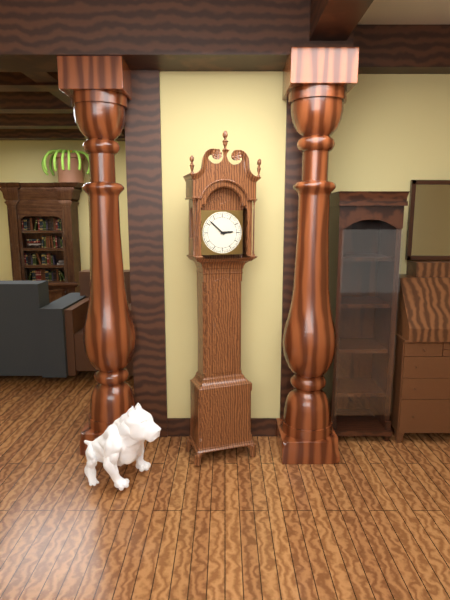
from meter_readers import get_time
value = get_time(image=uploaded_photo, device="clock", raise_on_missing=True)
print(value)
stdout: 2:52
